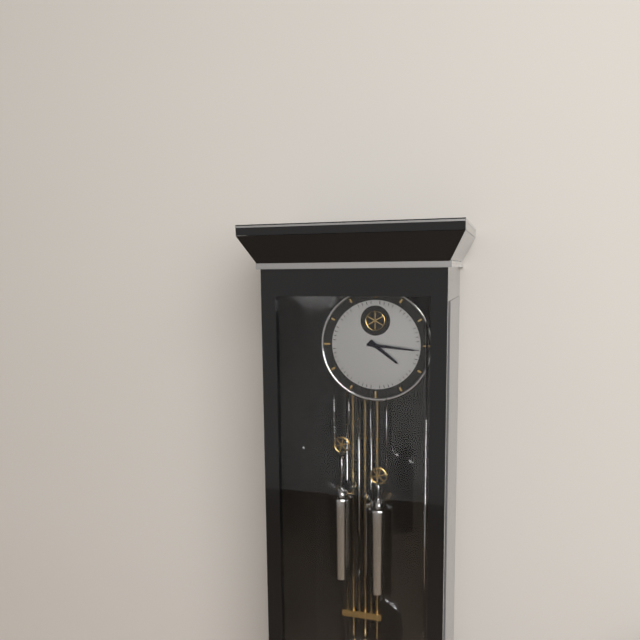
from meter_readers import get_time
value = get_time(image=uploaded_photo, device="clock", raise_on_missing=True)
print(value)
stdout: 4:16
